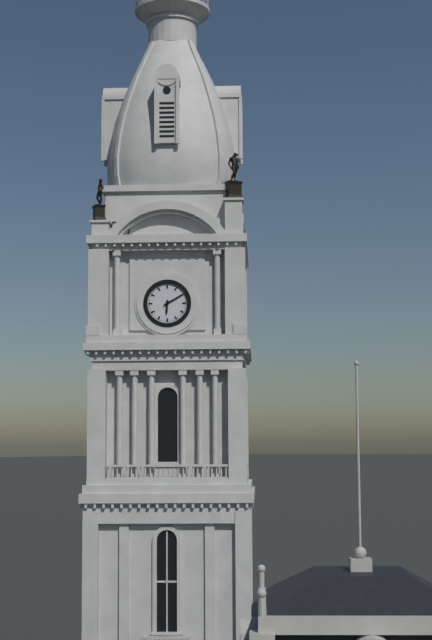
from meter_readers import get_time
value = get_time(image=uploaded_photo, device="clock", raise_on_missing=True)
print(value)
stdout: 6:10
